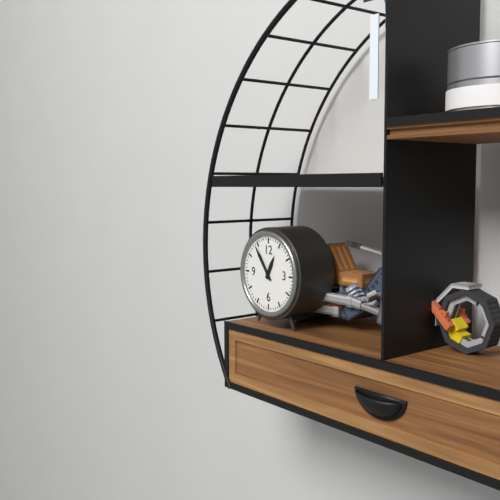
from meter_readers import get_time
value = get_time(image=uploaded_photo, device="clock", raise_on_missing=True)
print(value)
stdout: 12:54
